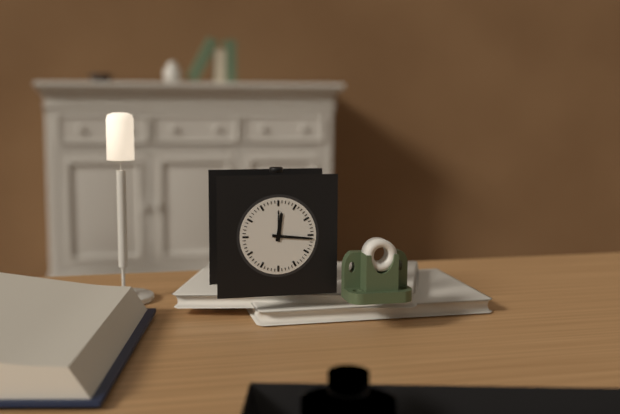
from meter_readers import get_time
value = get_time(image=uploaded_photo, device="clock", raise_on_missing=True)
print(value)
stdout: 12:16
